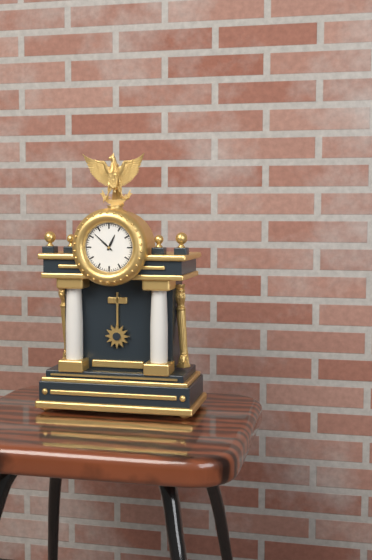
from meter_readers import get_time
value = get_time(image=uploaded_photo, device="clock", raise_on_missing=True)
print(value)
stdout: 12:52
